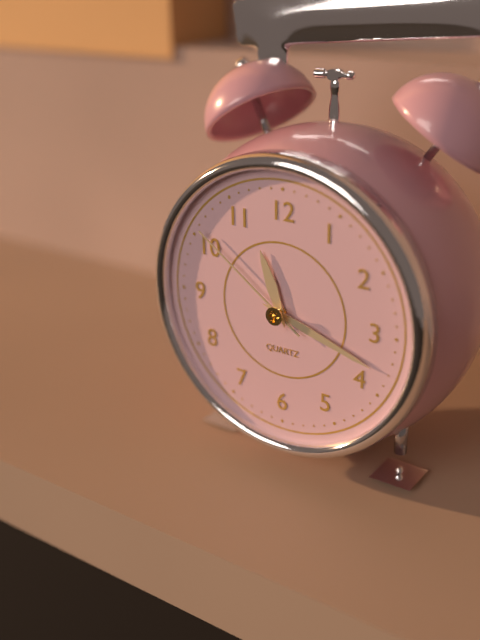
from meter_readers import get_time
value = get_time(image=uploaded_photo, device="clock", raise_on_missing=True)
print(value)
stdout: 11:18:51
